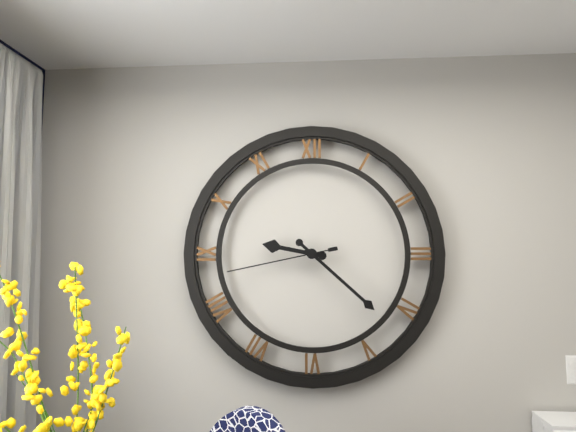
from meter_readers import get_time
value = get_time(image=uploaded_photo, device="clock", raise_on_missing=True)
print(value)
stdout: 9:22:43
